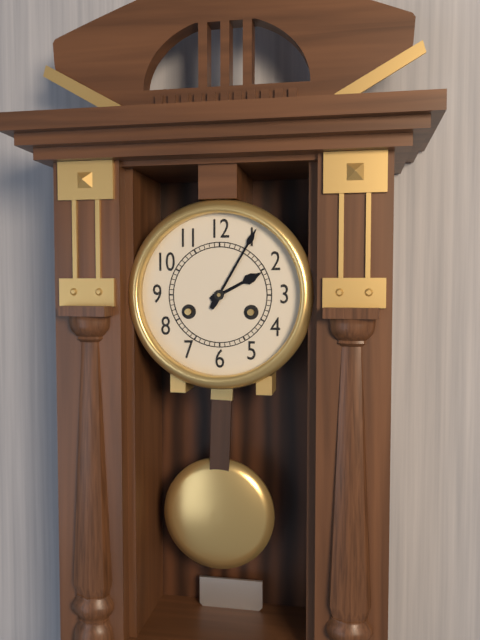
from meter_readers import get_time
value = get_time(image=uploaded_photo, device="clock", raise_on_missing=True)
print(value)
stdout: 2:05
